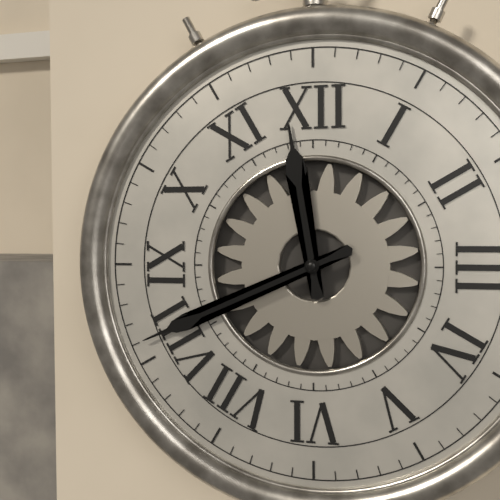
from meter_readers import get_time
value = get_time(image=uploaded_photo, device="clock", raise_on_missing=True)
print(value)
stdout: 11:41
